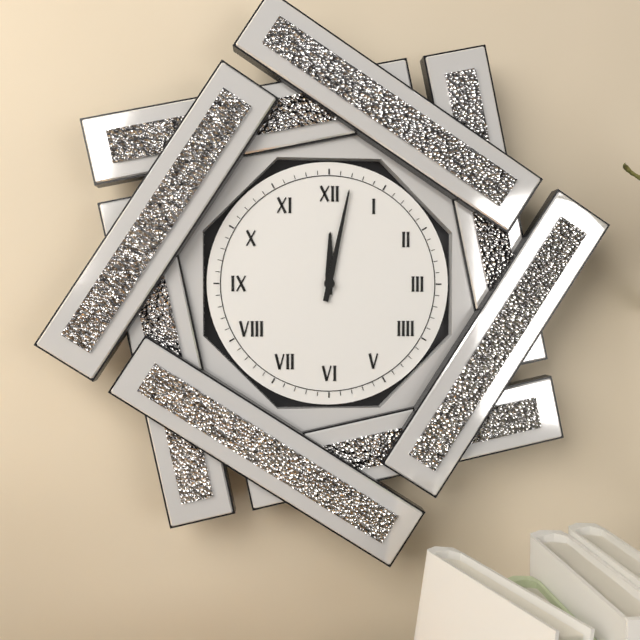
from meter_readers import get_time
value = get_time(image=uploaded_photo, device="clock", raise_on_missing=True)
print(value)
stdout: 12:02
